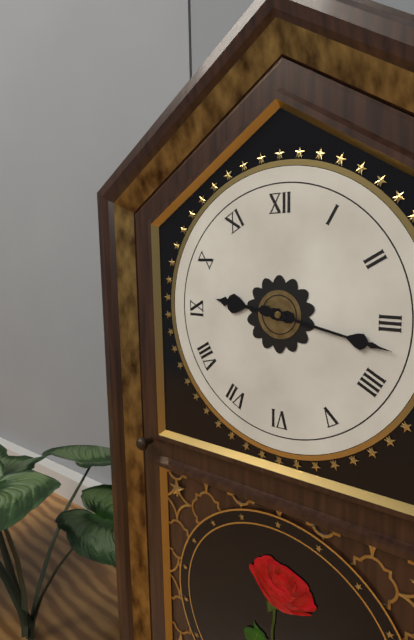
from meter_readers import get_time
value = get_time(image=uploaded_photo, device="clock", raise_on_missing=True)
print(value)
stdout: 9:17
